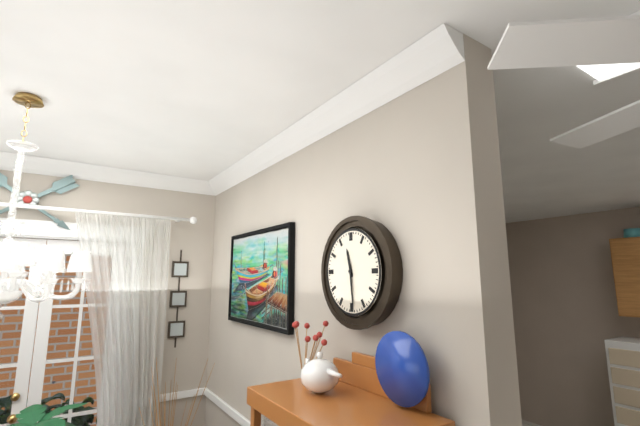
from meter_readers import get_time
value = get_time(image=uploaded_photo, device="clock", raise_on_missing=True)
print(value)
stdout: 11:29
